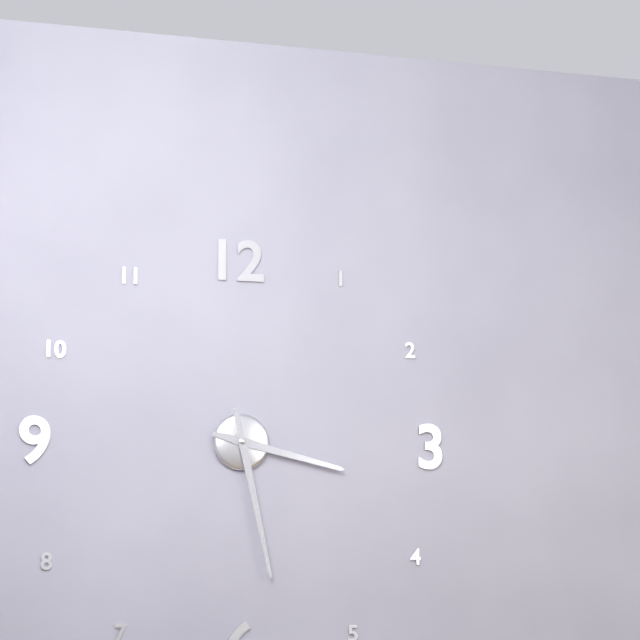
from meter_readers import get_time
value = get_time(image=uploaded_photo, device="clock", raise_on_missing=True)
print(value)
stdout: 3:28
